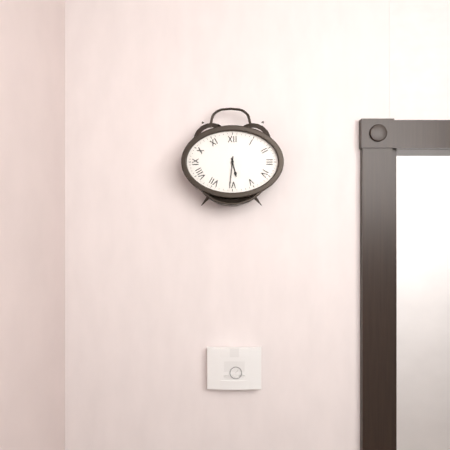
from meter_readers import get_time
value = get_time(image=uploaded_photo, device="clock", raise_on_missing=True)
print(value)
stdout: 5:31
